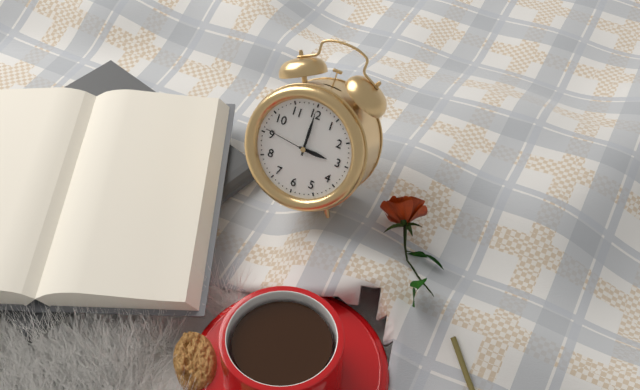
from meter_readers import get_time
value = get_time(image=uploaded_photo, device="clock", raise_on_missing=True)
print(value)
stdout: 3:00:46
